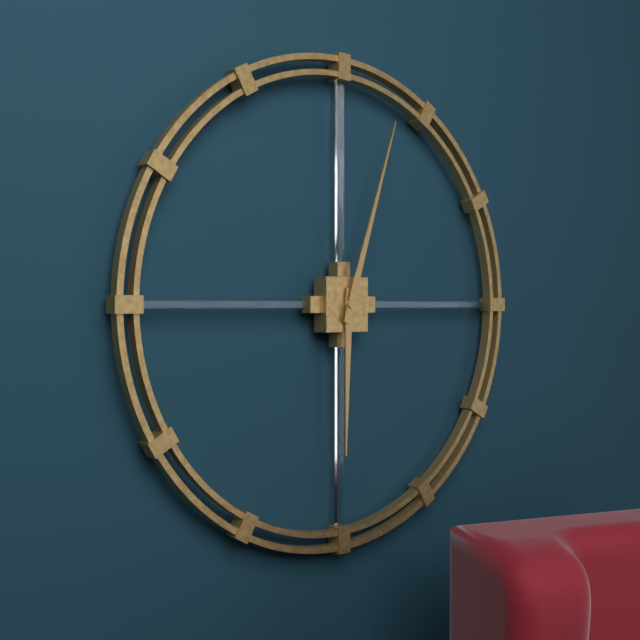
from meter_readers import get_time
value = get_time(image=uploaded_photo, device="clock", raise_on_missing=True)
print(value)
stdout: 6:03
